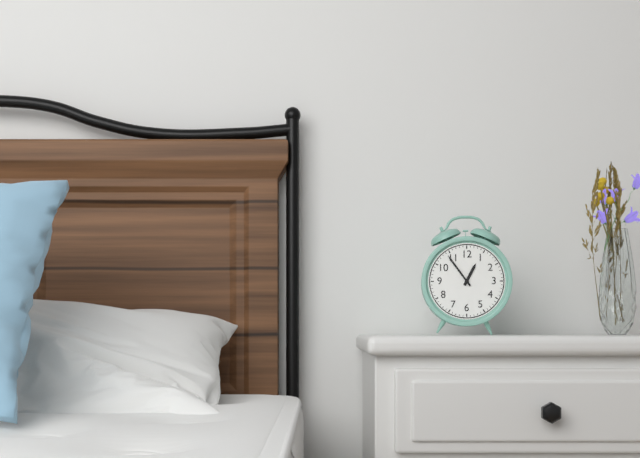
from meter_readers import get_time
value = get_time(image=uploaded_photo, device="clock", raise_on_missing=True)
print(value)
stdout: 12:54
